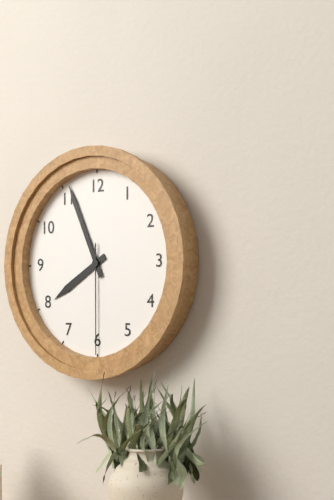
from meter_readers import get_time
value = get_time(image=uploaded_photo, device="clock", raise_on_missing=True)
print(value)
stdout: 7:56:30
